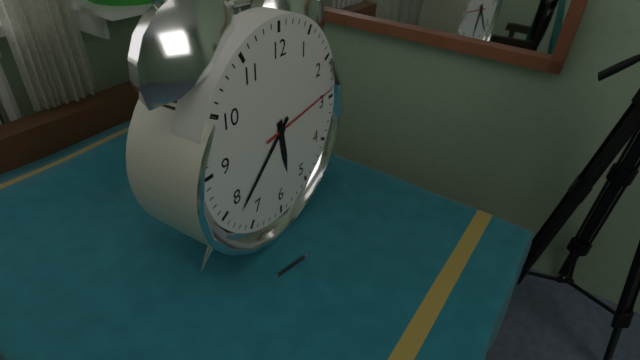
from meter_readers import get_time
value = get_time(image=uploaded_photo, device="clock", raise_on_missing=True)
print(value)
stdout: 5:38:14
